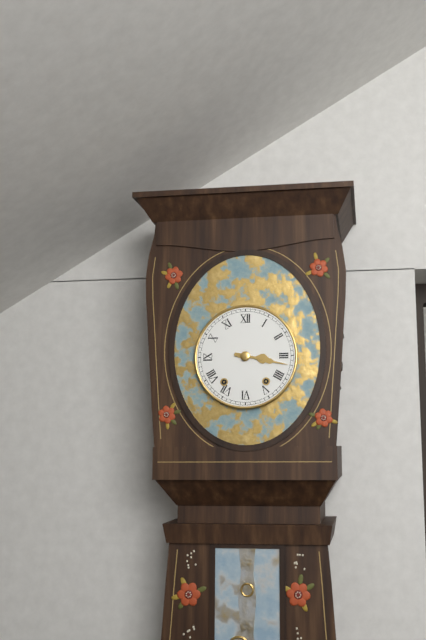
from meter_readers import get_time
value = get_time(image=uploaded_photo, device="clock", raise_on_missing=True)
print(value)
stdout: 3:17
